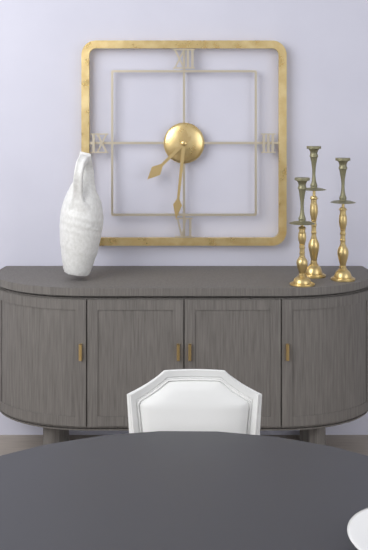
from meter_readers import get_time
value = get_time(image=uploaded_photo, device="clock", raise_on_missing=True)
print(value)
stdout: 7:31
